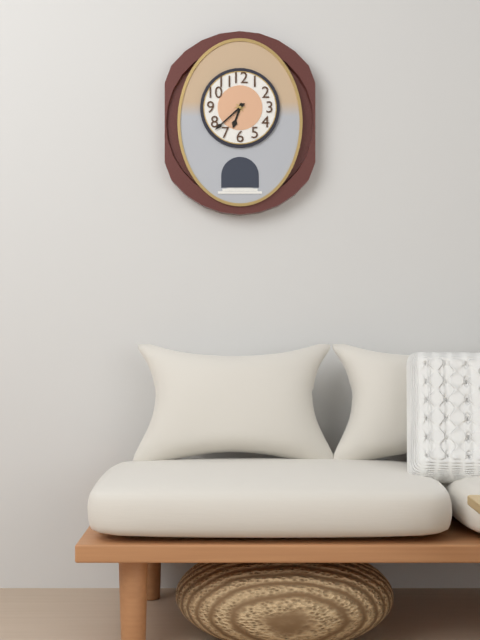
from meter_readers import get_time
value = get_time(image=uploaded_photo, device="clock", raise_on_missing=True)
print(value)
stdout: 6:38
